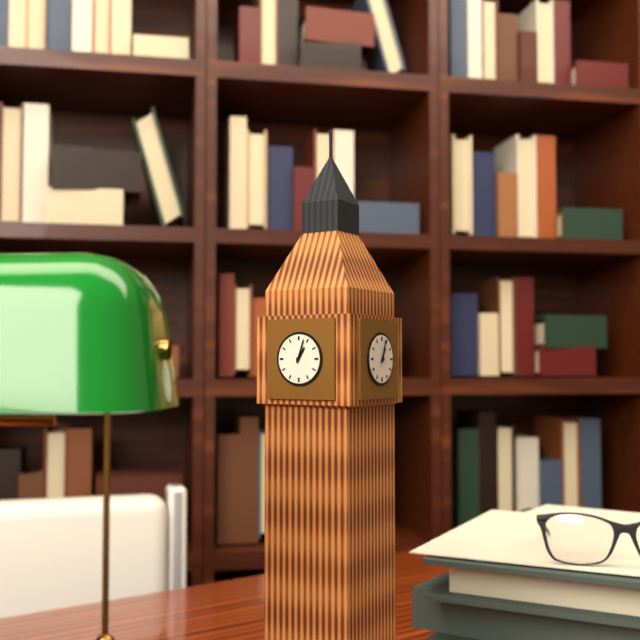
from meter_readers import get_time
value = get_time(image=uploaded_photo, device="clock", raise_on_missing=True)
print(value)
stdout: 1:03
